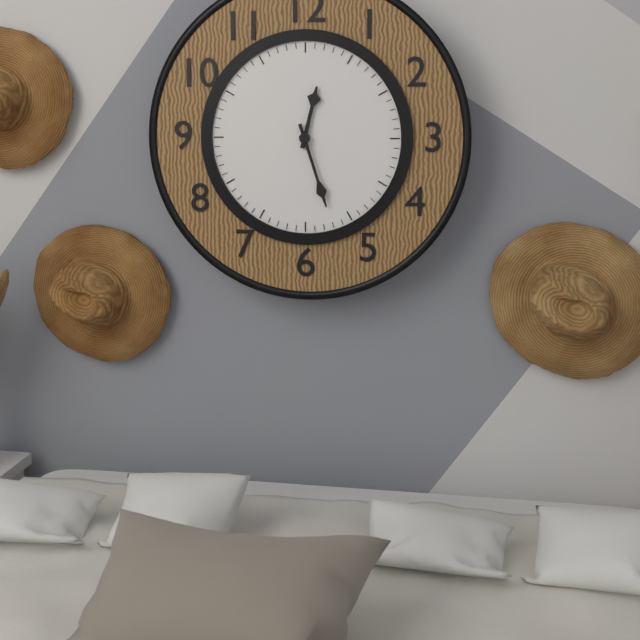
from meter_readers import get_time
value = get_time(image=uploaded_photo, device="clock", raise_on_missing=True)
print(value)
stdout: 12:27
